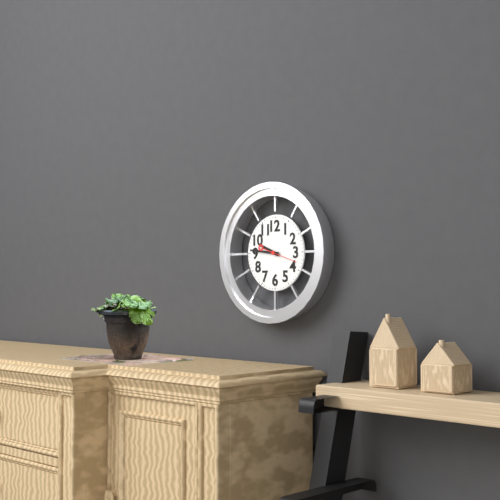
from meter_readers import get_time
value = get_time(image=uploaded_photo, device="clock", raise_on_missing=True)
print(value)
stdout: 9:46
